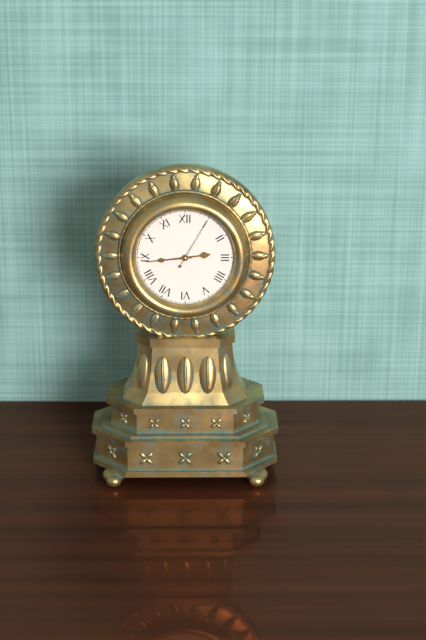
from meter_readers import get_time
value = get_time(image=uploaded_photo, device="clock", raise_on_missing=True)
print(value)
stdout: 2:44:05
